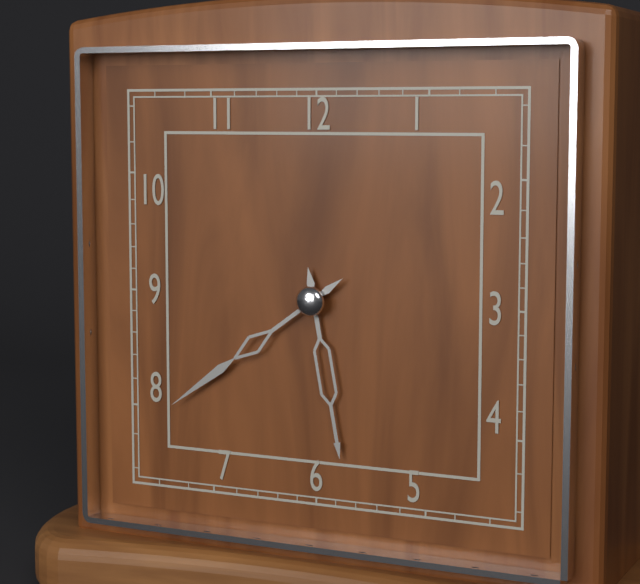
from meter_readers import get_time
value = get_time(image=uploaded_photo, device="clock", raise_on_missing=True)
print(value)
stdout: 5:39
